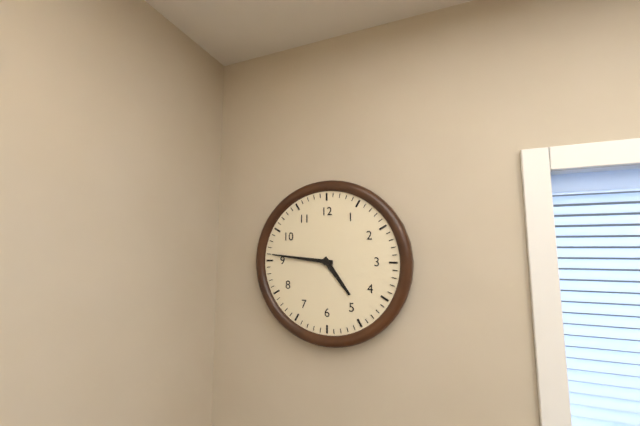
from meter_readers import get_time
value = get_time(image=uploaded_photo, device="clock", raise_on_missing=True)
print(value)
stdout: 4:46
